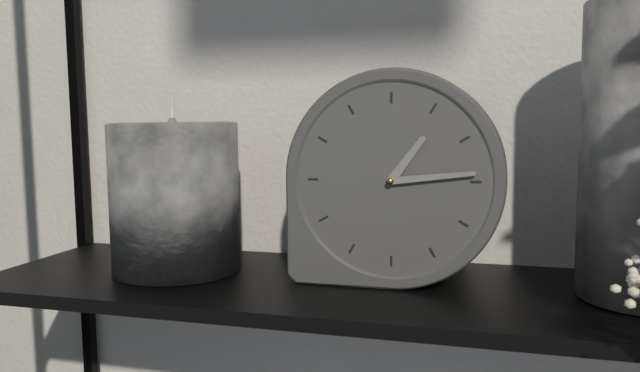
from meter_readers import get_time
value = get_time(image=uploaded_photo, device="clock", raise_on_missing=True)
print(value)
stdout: 1:14
